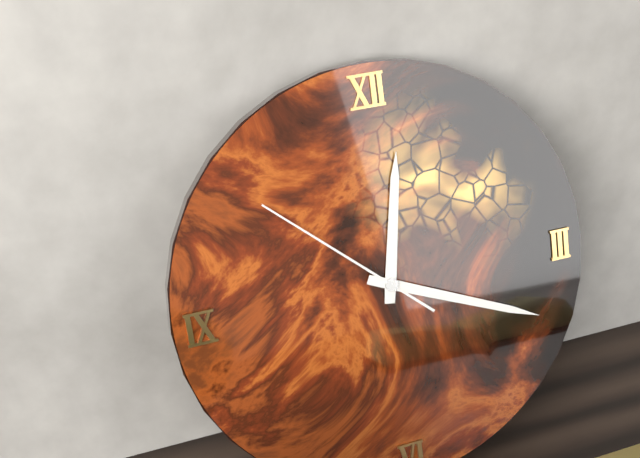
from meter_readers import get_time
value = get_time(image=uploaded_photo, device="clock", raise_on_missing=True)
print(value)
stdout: 12:19:52
